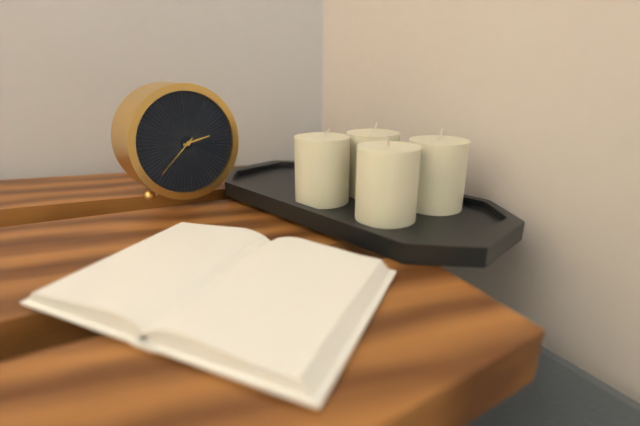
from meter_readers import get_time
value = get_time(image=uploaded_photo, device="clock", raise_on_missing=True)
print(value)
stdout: 2:38
